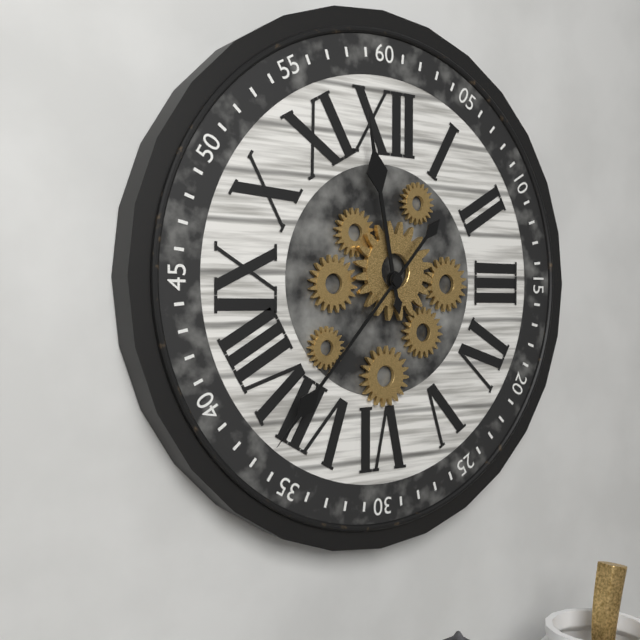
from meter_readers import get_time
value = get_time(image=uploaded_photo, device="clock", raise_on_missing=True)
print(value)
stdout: 11:37
